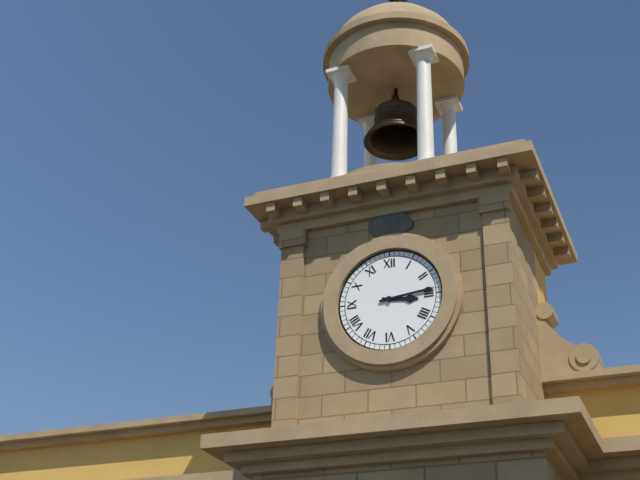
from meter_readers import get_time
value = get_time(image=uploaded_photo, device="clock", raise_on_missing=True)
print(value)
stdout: 3:14
